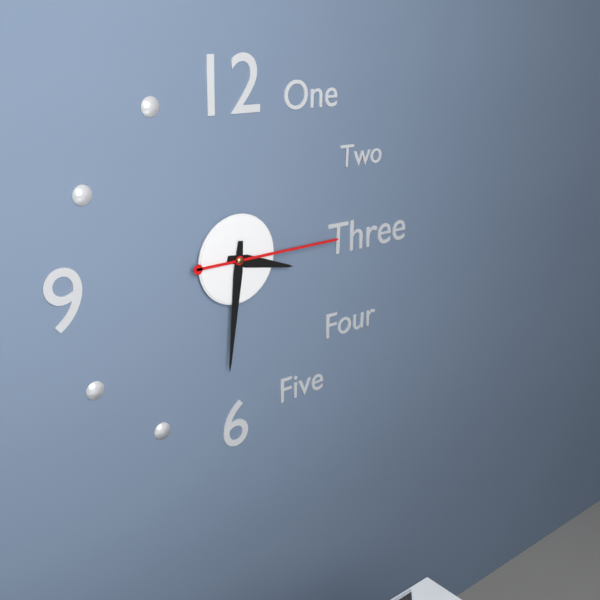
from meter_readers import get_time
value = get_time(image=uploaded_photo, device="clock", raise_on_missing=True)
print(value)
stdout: 3:31:15
